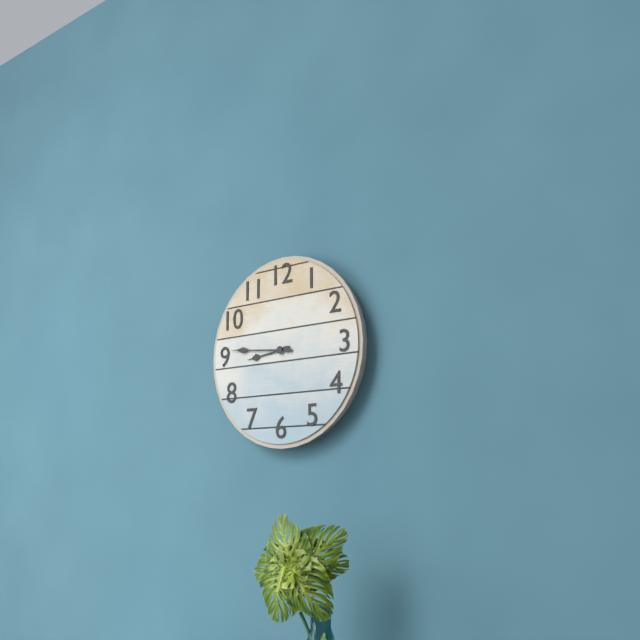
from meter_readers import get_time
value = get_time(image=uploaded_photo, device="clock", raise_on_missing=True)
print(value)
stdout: 8:46
